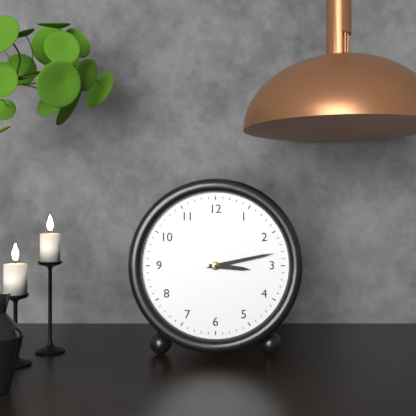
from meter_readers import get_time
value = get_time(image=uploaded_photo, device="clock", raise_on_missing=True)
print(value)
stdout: 3:13
